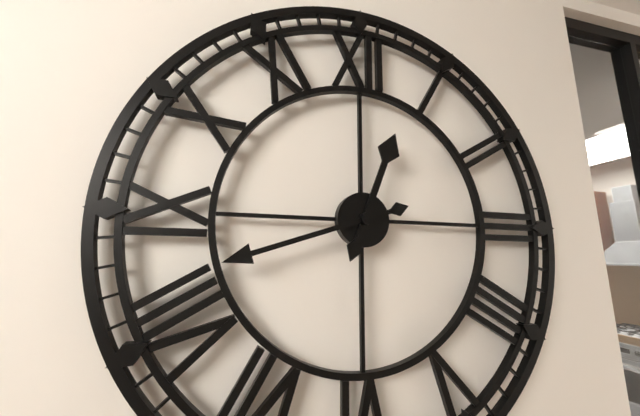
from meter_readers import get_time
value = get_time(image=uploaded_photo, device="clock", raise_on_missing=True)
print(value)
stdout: 12:42
